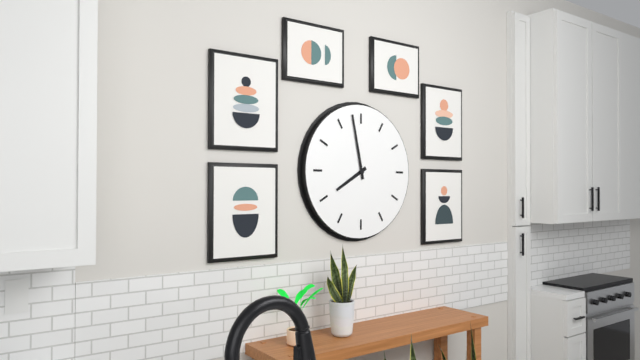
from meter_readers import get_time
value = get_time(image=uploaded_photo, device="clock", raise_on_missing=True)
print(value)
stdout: 7:58
